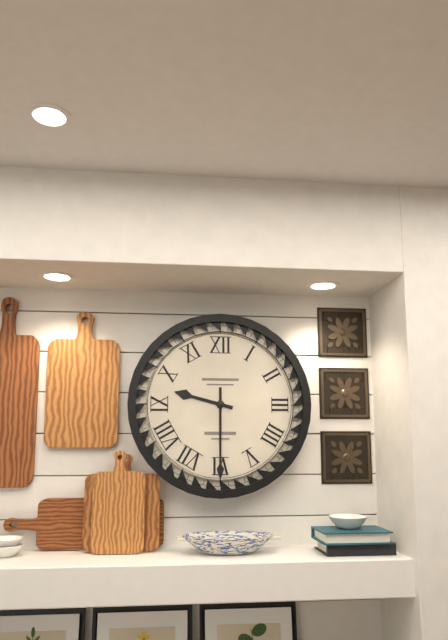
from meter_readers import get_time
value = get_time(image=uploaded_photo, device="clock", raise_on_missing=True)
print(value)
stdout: 9:30
